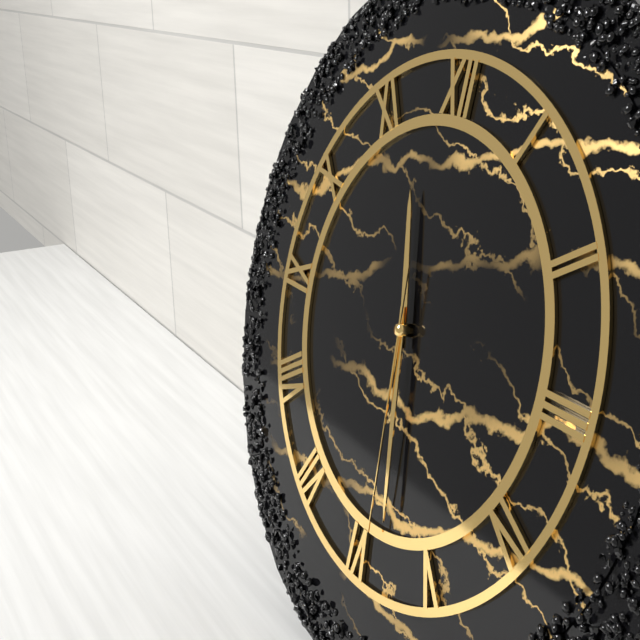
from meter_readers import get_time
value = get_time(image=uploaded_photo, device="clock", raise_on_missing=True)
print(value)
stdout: 11:28:29
